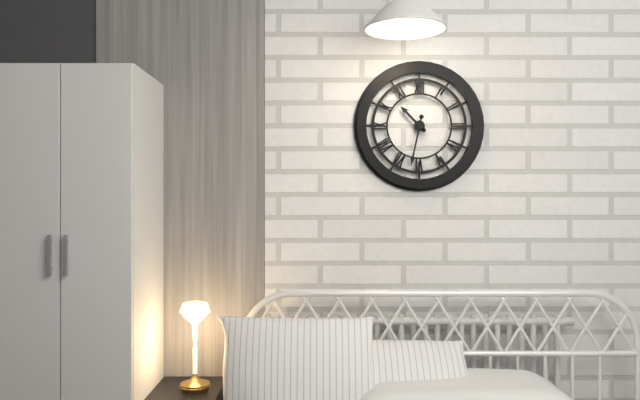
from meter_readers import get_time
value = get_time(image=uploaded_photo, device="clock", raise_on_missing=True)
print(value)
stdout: 10:32
